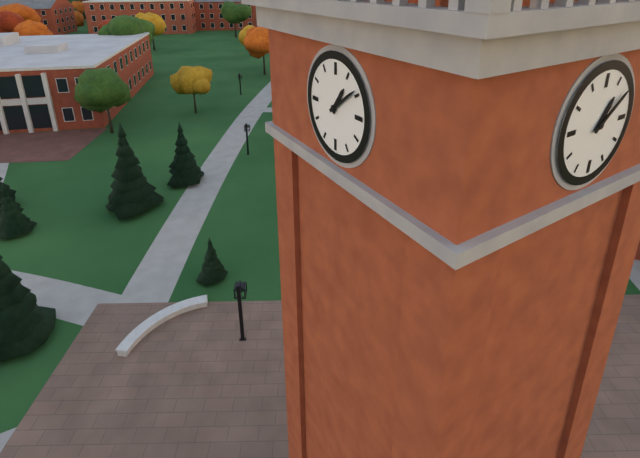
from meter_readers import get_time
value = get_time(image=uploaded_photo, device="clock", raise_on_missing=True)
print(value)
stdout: 1:09
